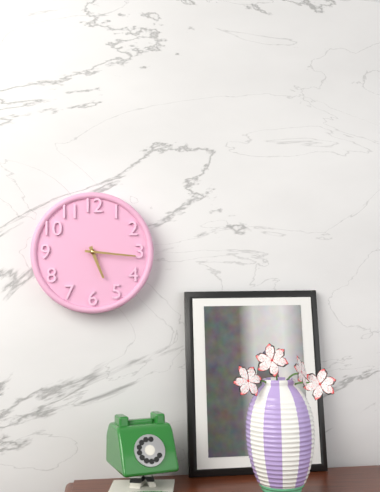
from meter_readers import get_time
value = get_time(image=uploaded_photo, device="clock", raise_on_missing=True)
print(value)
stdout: 5:16
